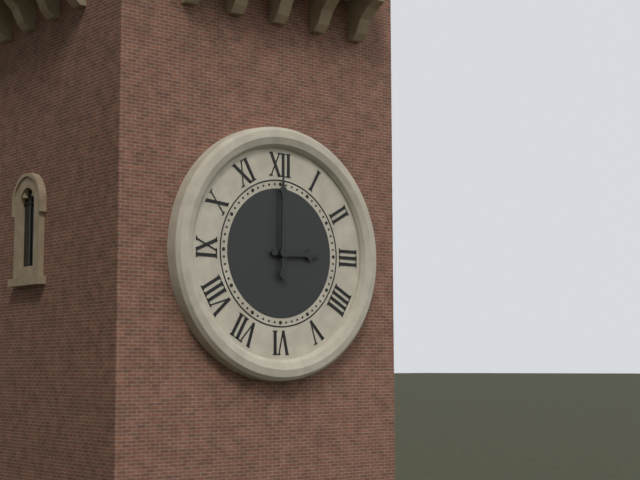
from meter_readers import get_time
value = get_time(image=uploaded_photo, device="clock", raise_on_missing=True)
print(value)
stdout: 3:00
